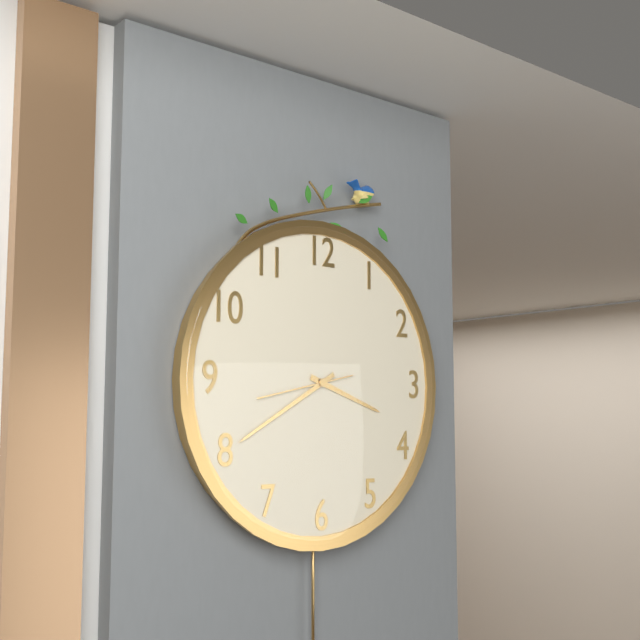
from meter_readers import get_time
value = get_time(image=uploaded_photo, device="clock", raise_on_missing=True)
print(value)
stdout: 3:40:43
